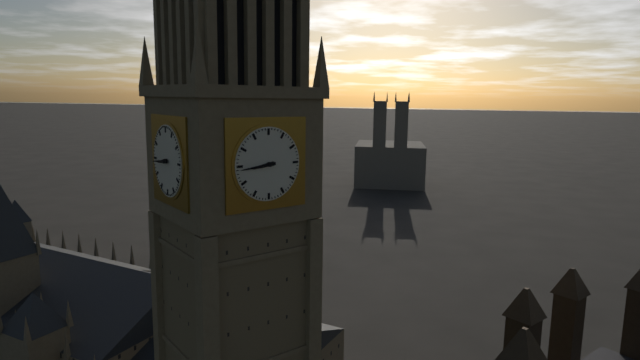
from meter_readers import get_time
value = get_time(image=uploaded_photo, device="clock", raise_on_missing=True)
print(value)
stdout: 8:44
